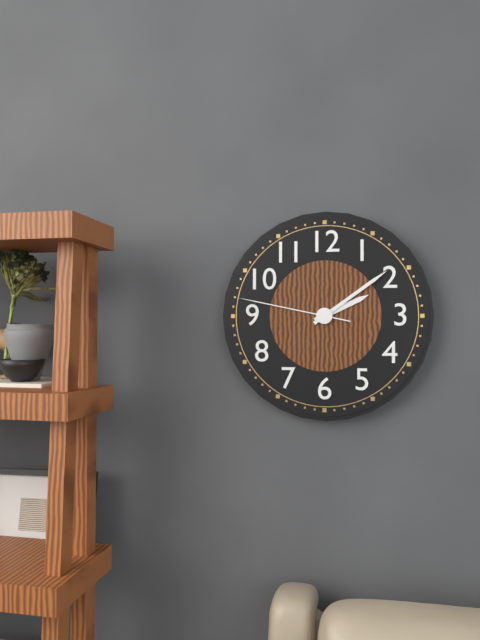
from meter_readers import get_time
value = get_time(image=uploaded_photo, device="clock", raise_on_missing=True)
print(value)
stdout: 2:09:47
